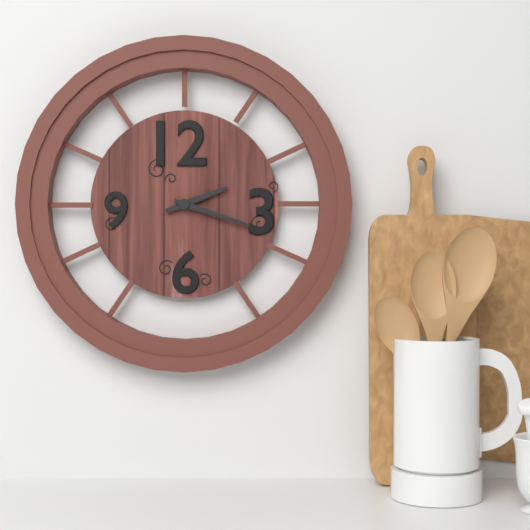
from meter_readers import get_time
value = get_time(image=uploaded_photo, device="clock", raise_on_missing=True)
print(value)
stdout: 2:18
